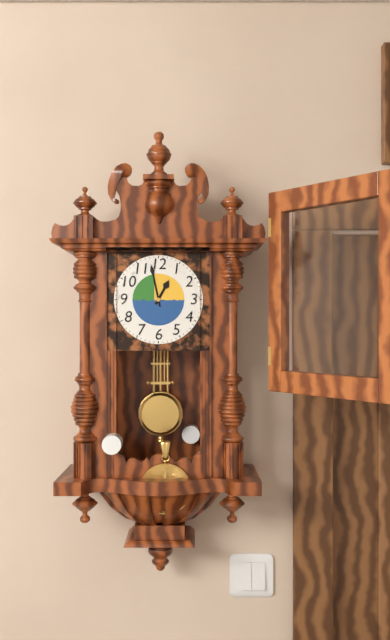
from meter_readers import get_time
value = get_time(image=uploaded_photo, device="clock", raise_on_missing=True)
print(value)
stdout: 12:58
